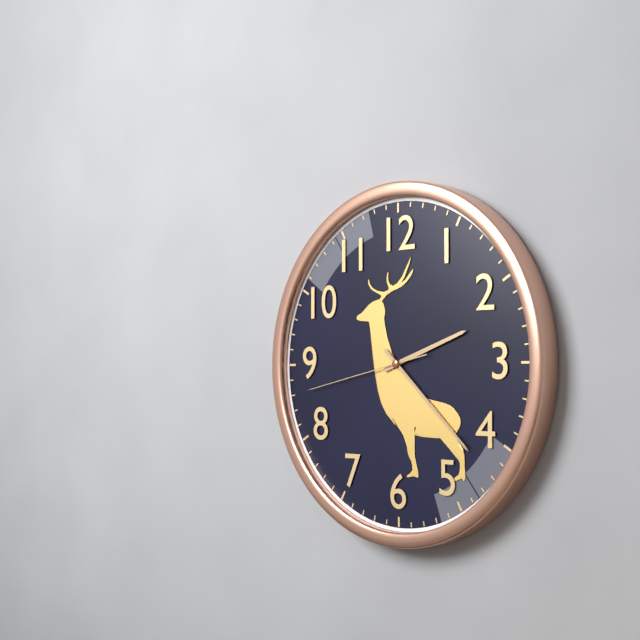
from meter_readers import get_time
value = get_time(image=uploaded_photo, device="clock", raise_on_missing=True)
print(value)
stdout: 2:22:43
